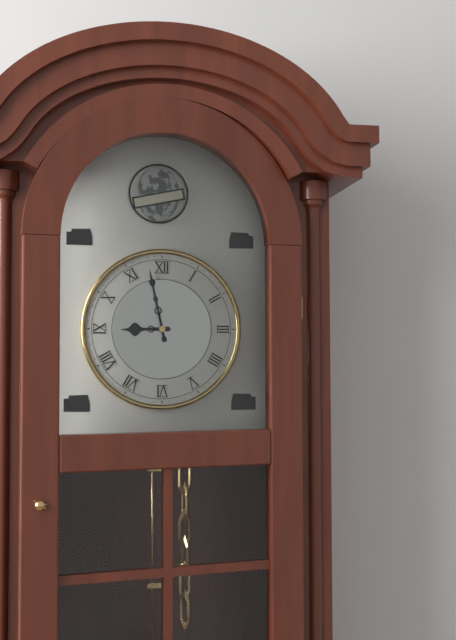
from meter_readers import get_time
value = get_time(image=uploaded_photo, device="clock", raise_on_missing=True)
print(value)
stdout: 8:58
